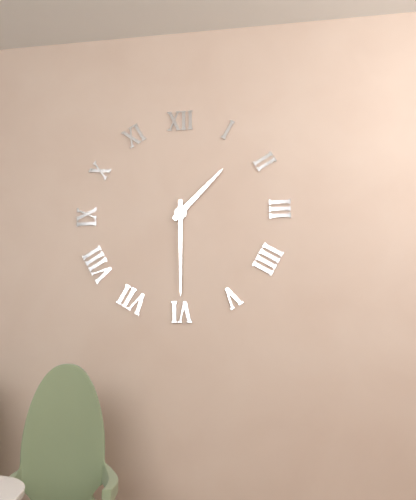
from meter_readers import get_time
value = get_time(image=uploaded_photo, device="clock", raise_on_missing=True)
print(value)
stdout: 1:30
